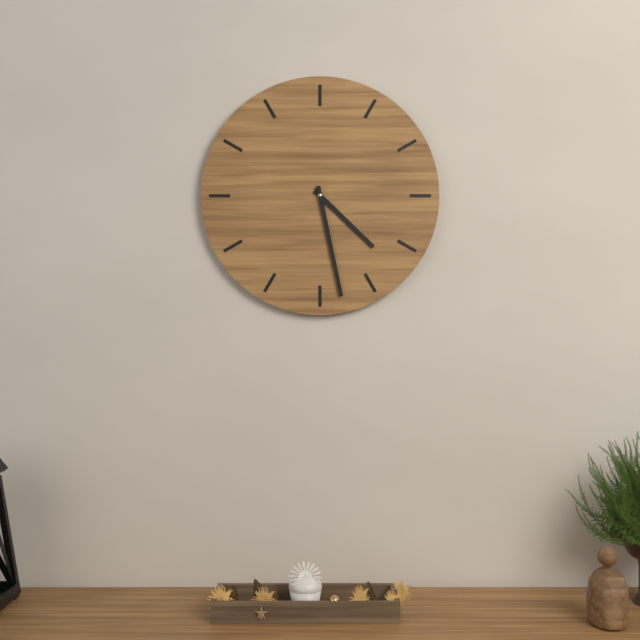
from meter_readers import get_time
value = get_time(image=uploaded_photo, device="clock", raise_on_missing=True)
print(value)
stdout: 4:28
